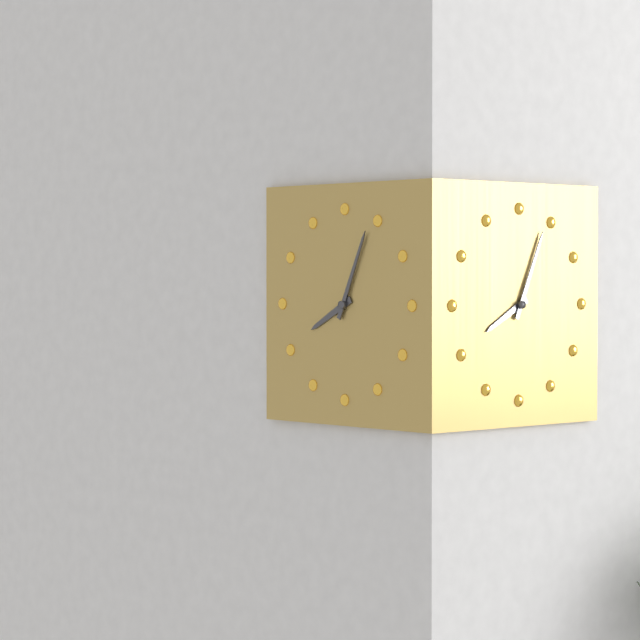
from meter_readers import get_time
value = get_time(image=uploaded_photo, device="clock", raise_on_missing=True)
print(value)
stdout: 8:04
